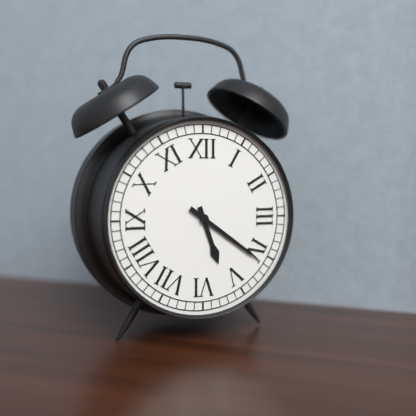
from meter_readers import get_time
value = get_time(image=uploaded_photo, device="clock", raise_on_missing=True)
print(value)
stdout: 5:21
